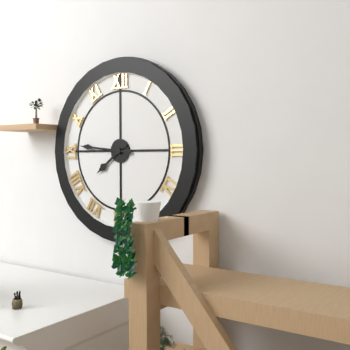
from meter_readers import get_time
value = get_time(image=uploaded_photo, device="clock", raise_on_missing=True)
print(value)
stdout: 7:46
